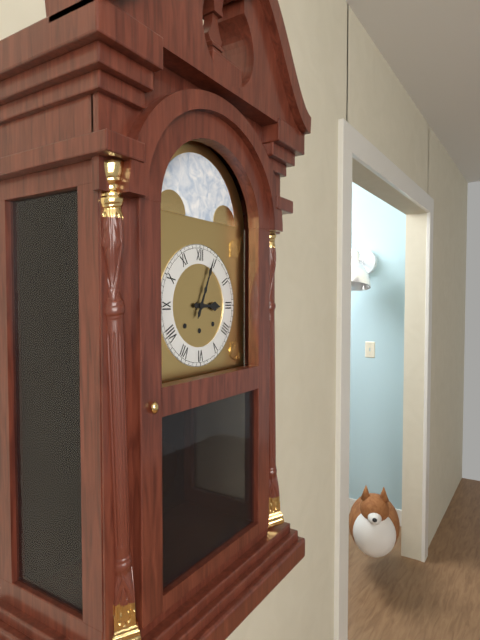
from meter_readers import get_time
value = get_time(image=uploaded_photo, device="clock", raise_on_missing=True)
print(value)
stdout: 3:04
